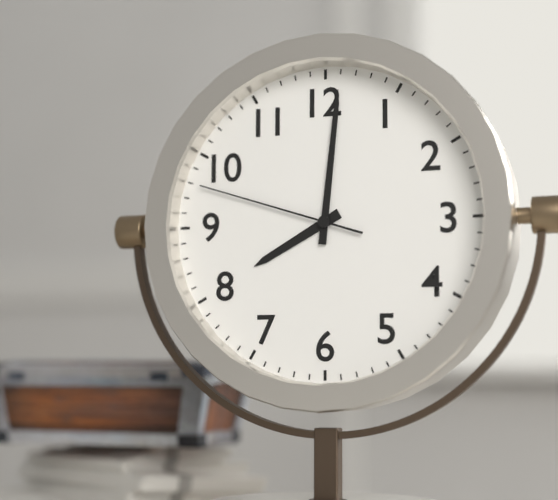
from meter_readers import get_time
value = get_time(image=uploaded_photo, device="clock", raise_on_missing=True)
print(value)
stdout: 8:01:48
